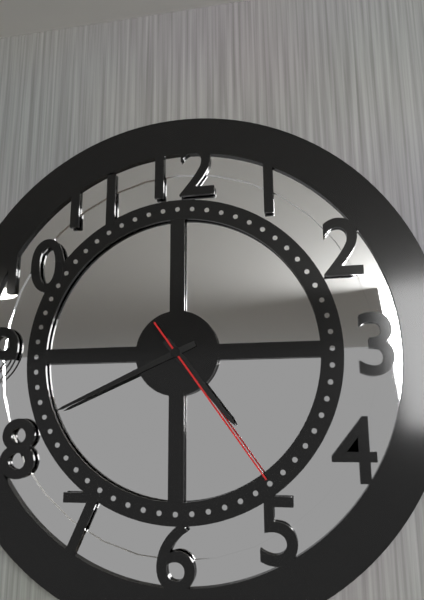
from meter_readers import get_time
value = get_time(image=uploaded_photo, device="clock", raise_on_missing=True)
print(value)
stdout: 4:41:24
